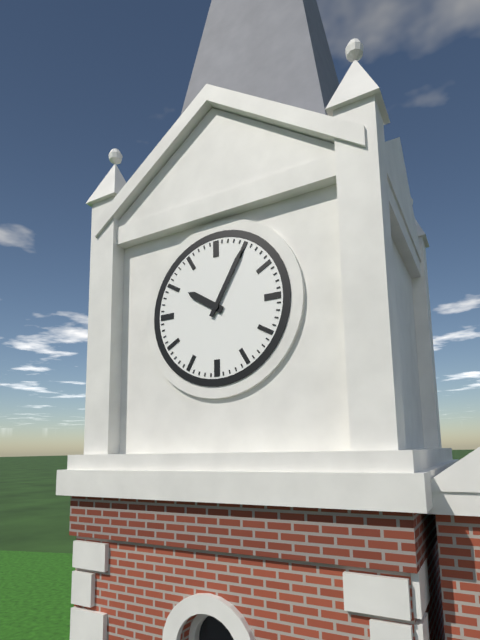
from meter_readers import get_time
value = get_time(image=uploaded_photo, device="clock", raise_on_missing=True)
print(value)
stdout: 10:05
